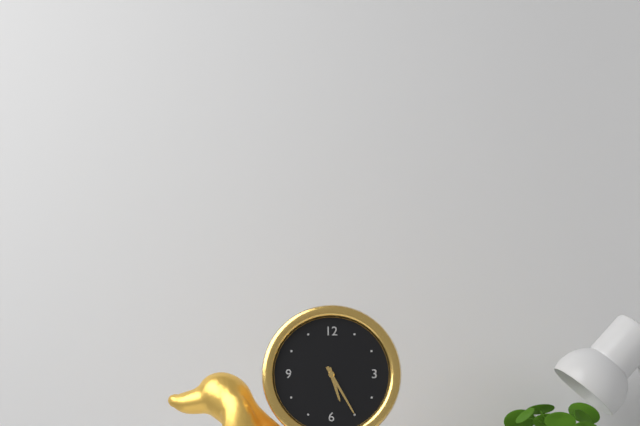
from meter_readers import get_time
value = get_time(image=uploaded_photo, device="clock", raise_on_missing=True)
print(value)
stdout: 5:25
